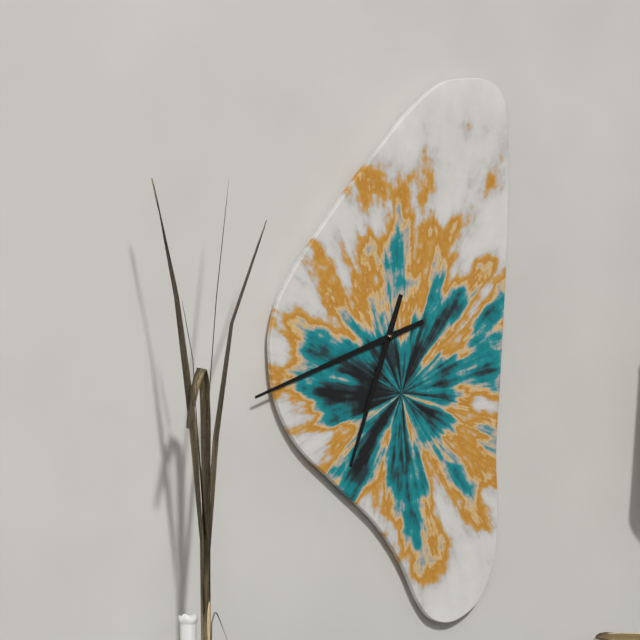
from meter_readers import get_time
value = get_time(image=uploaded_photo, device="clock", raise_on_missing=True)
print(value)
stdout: 6:42
